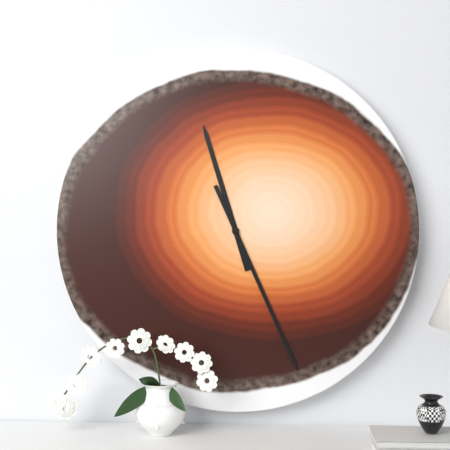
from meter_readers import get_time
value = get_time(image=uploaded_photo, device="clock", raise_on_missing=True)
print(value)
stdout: 11:26
